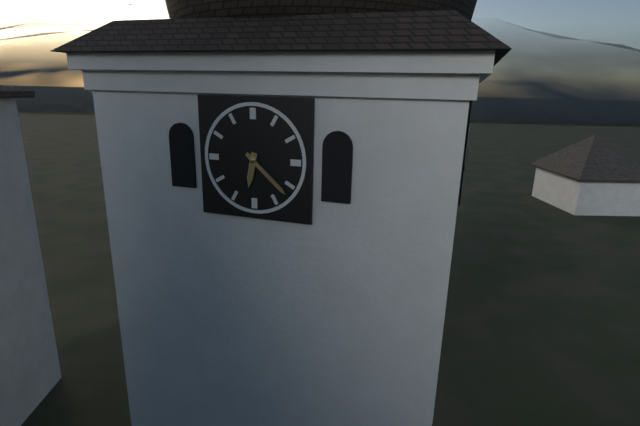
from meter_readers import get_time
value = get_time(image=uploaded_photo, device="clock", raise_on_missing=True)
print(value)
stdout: 6:22
